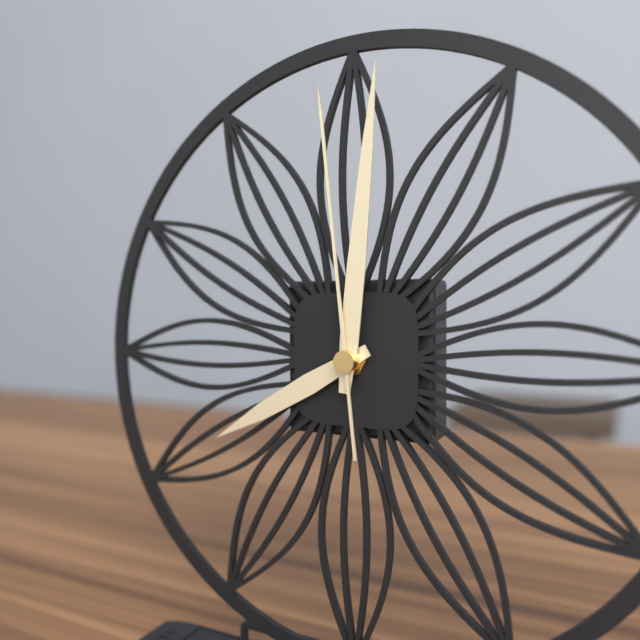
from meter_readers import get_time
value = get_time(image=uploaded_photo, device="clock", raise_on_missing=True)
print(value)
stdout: 8:01:59
